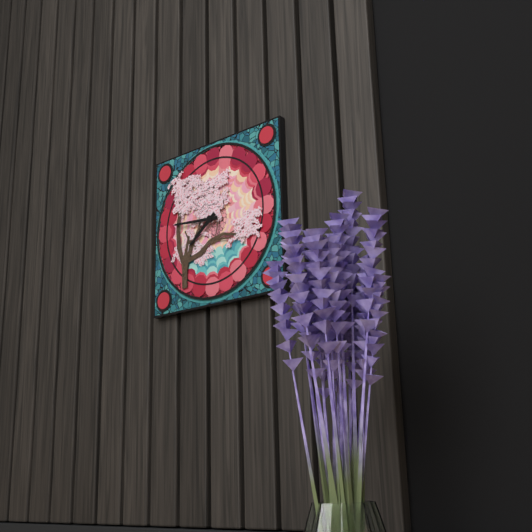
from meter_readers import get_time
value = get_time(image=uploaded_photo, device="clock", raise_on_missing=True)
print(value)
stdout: 7:46
